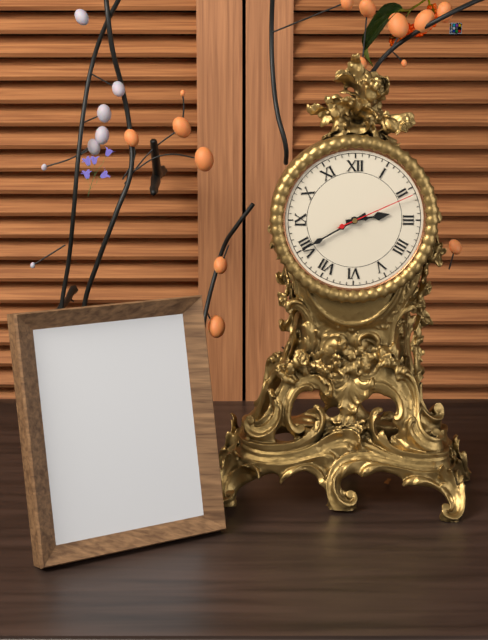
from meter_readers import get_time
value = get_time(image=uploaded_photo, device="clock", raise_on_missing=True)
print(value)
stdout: 2:40:11
